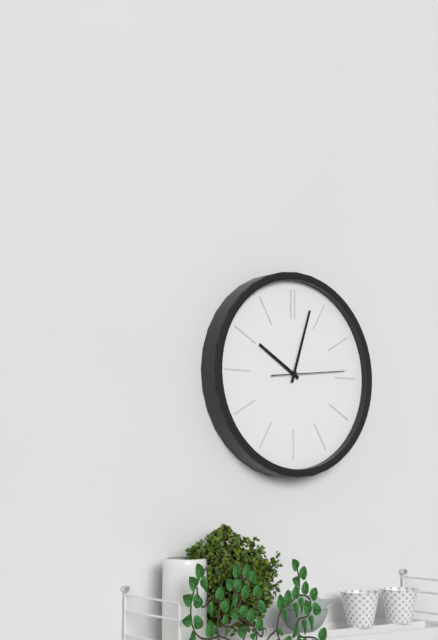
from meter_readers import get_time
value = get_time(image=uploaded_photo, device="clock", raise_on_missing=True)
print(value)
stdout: 10:03:14
